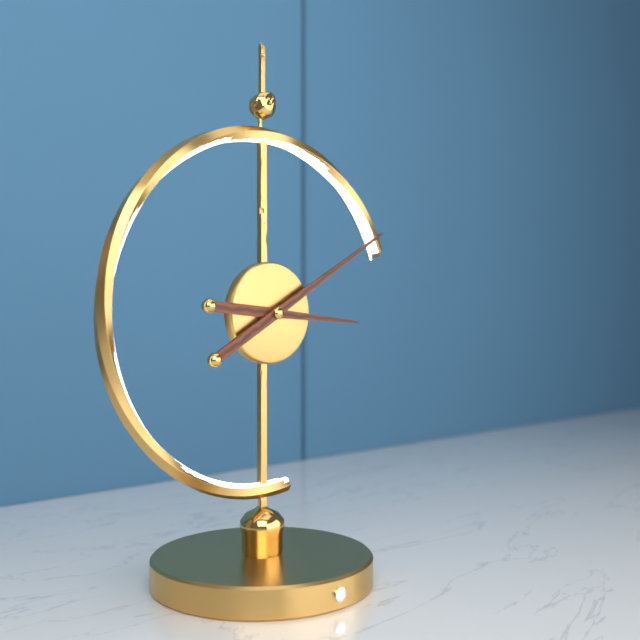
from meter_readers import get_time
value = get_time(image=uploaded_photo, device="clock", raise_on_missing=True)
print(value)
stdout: 3:10
